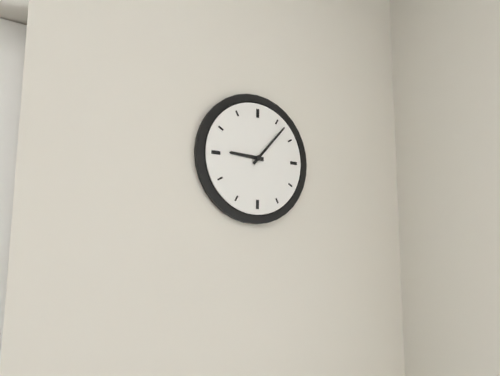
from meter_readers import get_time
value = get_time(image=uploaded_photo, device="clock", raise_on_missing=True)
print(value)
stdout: 9:07
